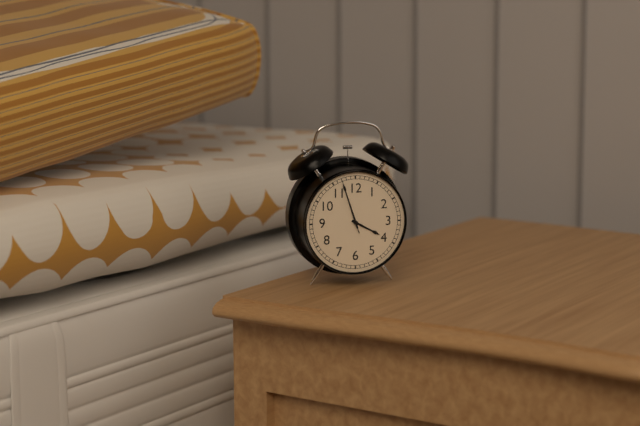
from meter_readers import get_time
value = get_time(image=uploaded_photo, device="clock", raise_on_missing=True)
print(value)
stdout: 3:57:57
